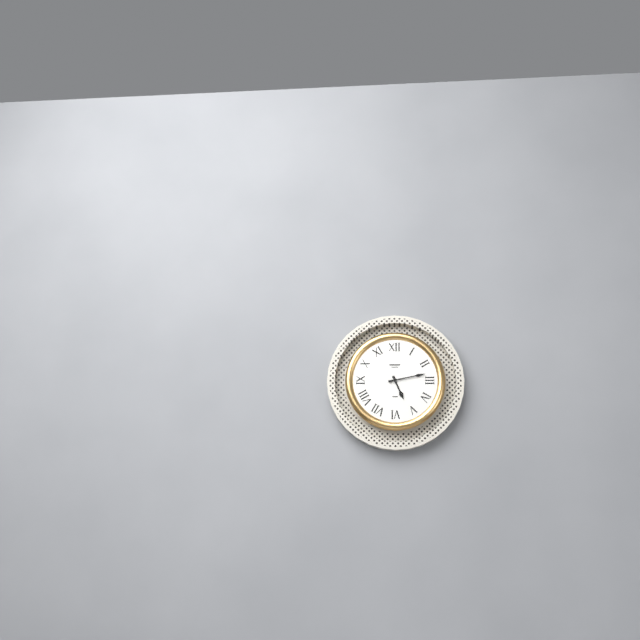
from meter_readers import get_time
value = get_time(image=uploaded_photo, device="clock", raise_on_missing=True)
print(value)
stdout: 5:13
